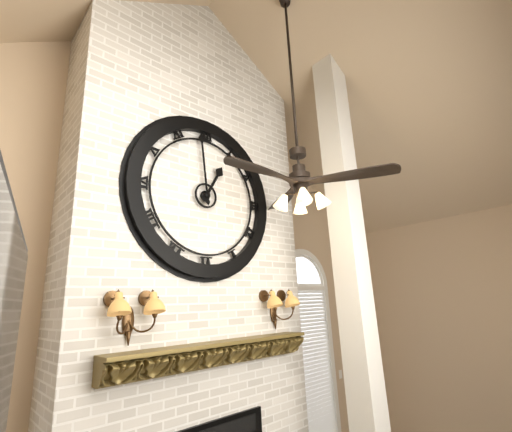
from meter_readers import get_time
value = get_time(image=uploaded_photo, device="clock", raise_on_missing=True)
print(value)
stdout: 12:59
